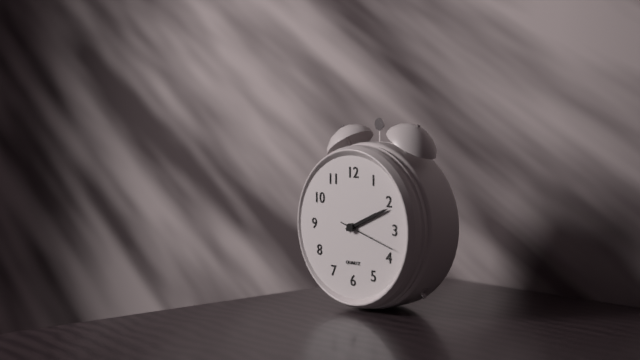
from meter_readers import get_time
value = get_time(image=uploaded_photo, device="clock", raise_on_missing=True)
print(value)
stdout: 2:11:18
